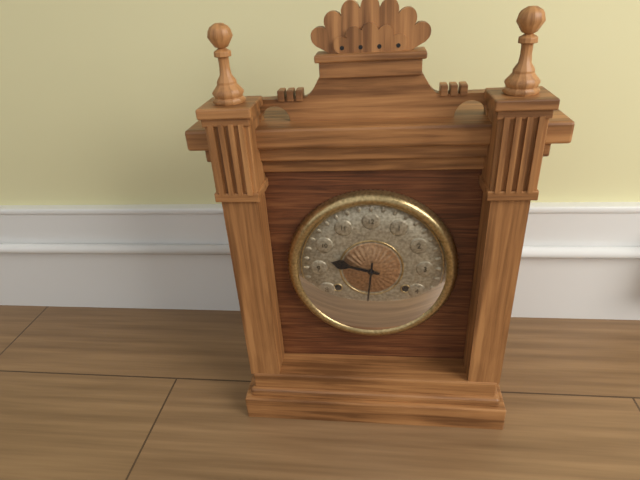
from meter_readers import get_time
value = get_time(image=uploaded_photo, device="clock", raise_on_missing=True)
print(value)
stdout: 9:31
